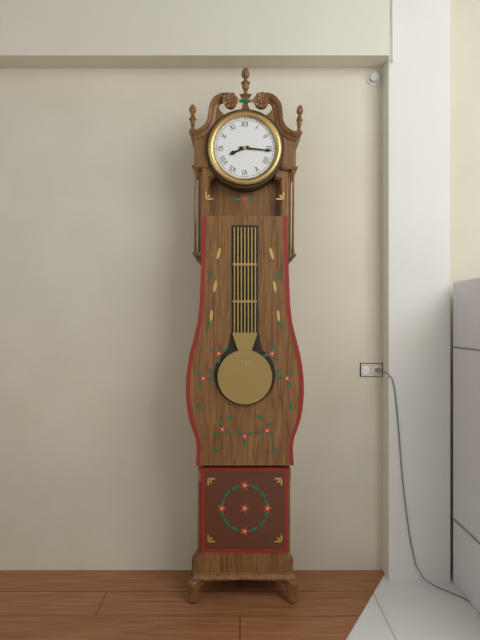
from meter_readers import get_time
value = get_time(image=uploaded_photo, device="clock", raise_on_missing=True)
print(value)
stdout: 8:16
